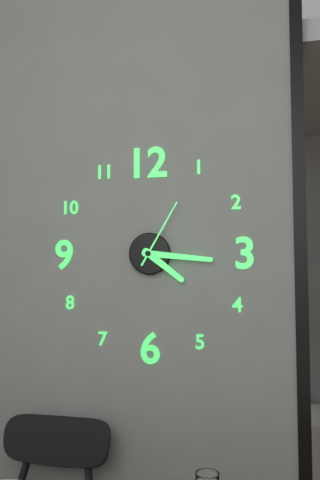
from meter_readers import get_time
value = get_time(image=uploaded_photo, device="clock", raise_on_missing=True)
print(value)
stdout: 4:16:05
